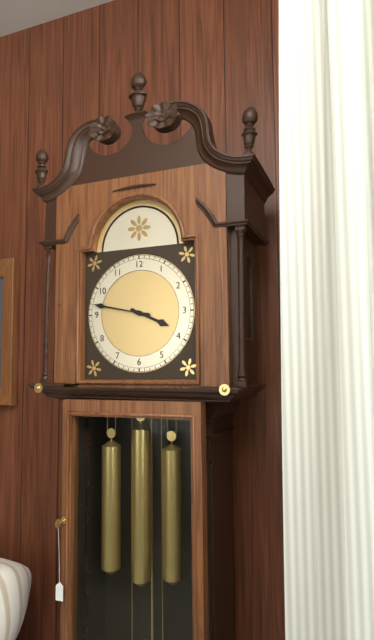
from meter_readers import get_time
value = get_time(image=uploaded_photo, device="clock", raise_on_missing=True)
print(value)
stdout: 3:47
